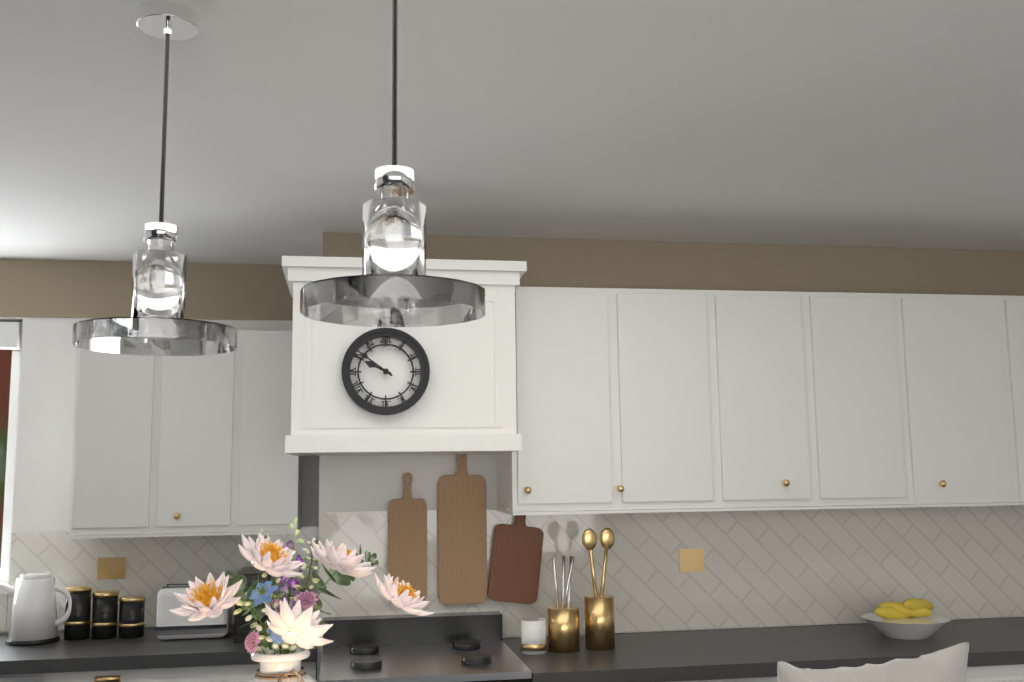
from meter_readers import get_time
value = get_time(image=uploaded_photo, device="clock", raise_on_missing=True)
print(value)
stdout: 9:51
